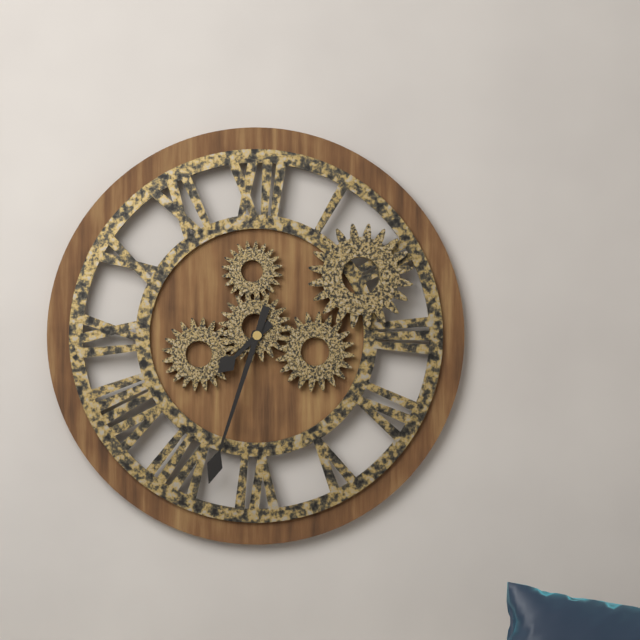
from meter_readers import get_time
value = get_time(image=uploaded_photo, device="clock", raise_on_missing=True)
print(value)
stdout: 7:33
